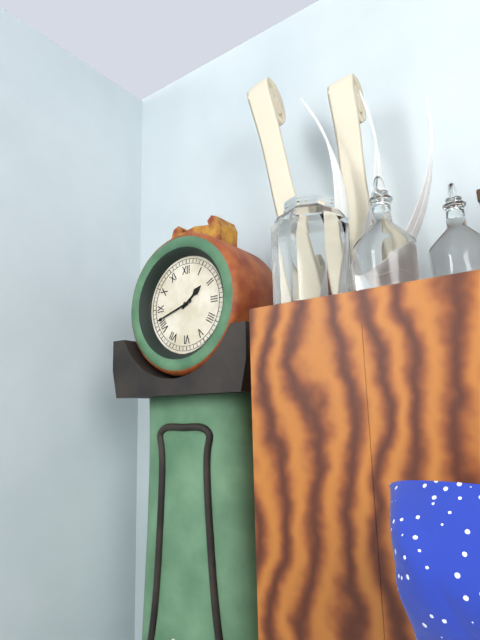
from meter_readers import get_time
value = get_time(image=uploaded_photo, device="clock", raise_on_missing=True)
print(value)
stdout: 1:42
